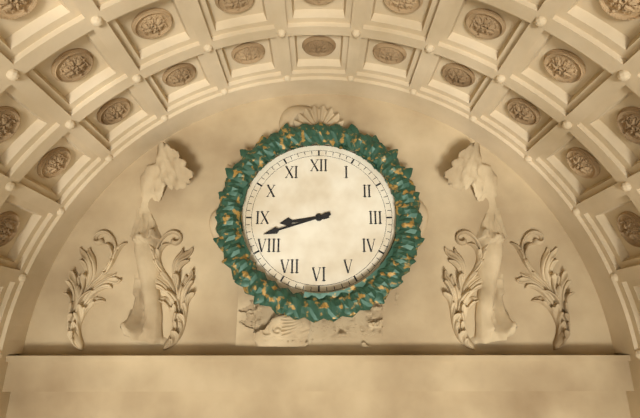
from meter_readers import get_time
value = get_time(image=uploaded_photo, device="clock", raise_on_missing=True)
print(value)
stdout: 8:42
